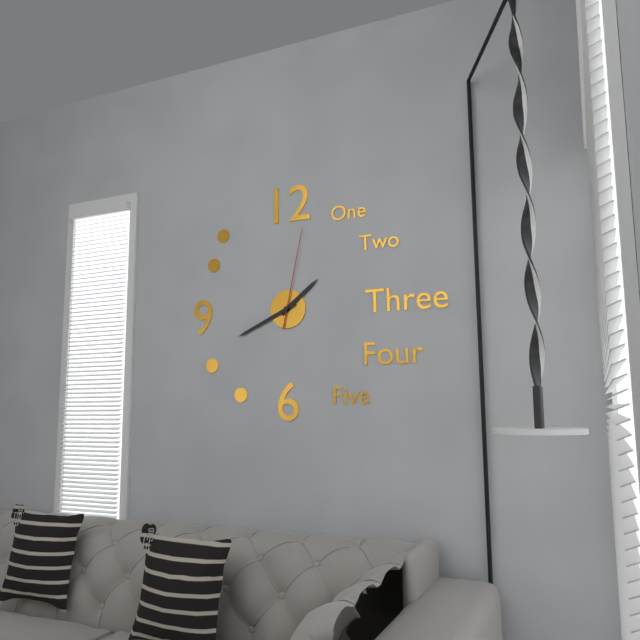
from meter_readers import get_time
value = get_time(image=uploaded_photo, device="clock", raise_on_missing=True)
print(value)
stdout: 1:41:02
